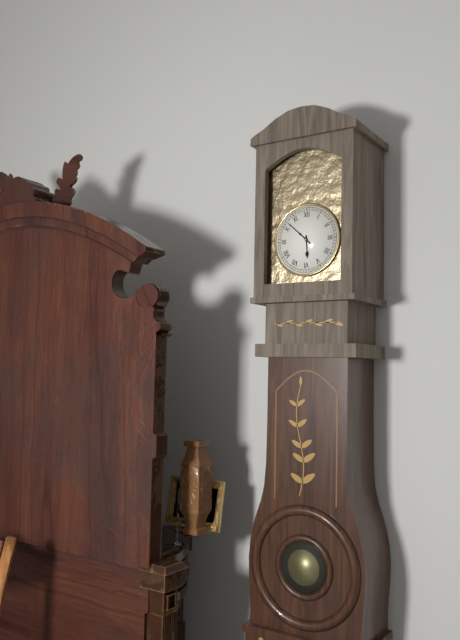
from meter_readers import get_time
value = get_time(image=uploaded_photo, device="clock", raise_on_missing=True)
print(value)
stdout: 5:52
